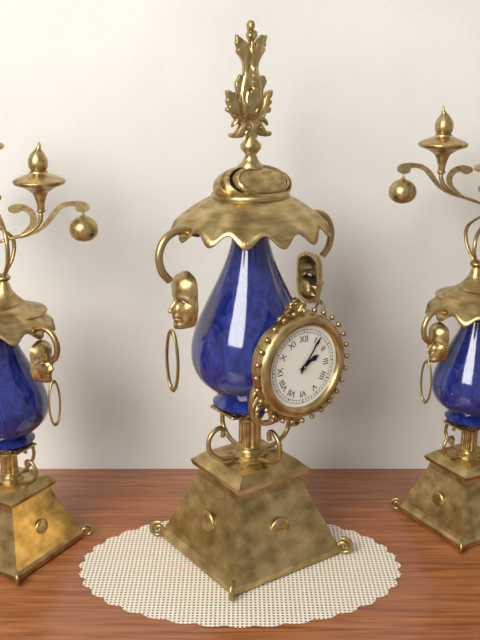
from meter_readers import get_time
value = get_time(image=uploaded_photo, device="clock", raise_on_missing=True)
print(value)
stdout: 2:06
